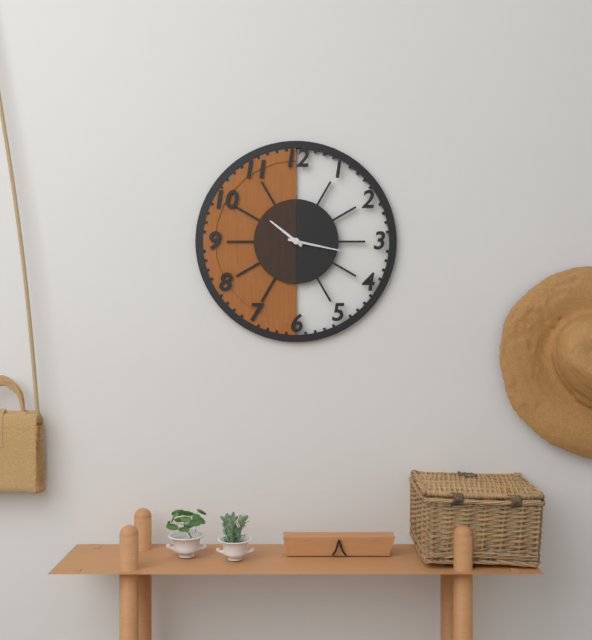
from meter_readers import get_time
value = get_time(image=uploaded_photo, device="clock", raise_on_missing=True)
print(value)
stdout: 10:17
